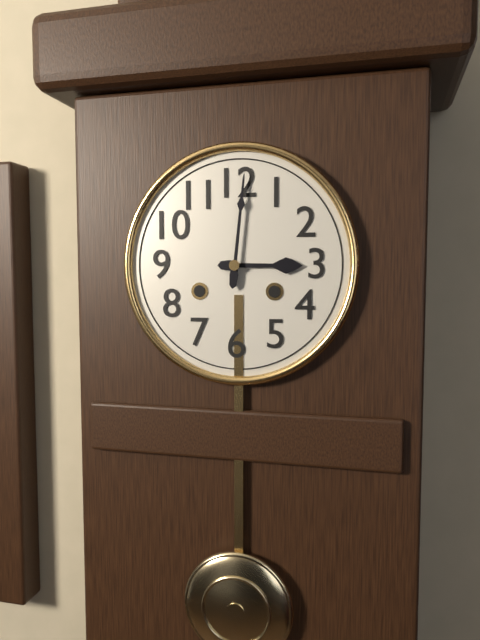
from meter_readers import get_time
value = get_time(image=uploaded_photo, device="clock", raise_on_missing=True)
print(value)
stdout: 3:01
